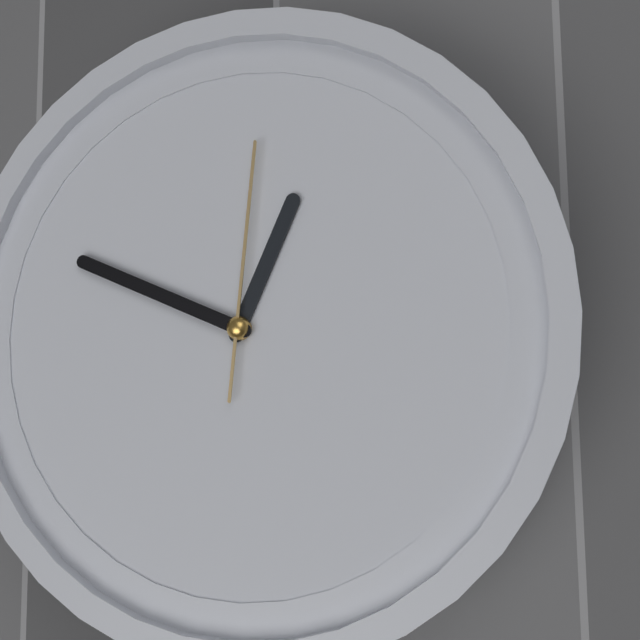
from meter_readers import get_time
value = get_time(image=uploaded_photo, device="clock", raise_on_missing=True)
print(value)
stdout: 12:49:01
